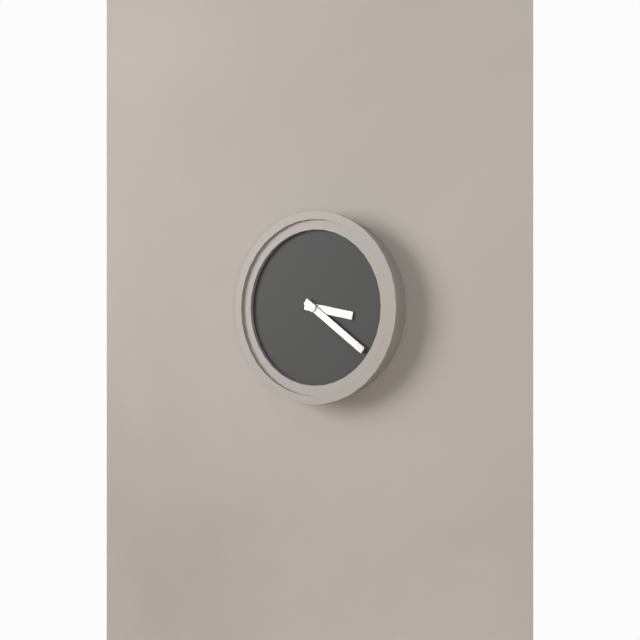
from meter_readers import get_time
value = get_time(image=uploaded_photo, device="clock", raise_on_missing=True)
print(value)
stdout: 3:21
